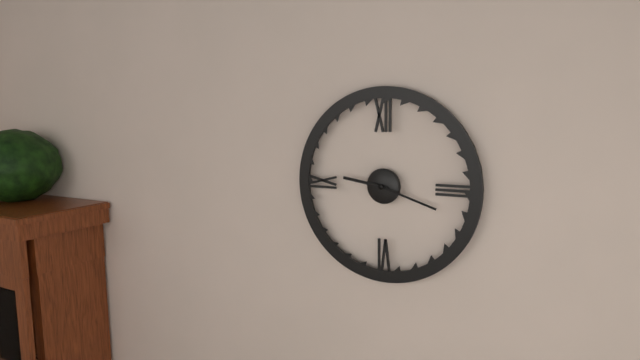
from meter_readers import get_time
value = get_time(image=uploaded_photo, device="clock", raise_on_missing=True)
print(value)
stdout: 9:18
